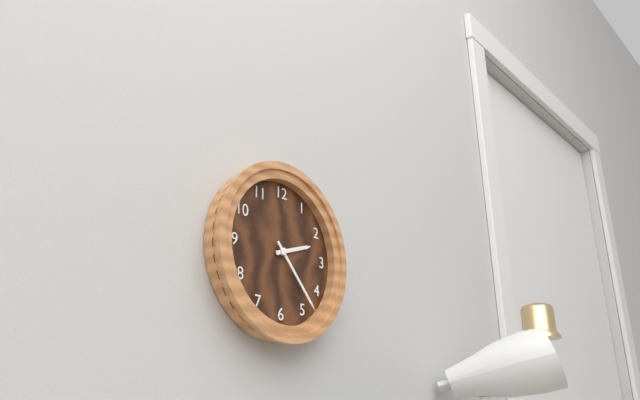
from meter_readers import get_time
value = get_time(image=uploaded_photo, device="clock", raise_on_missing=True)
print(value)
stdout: 2:23
